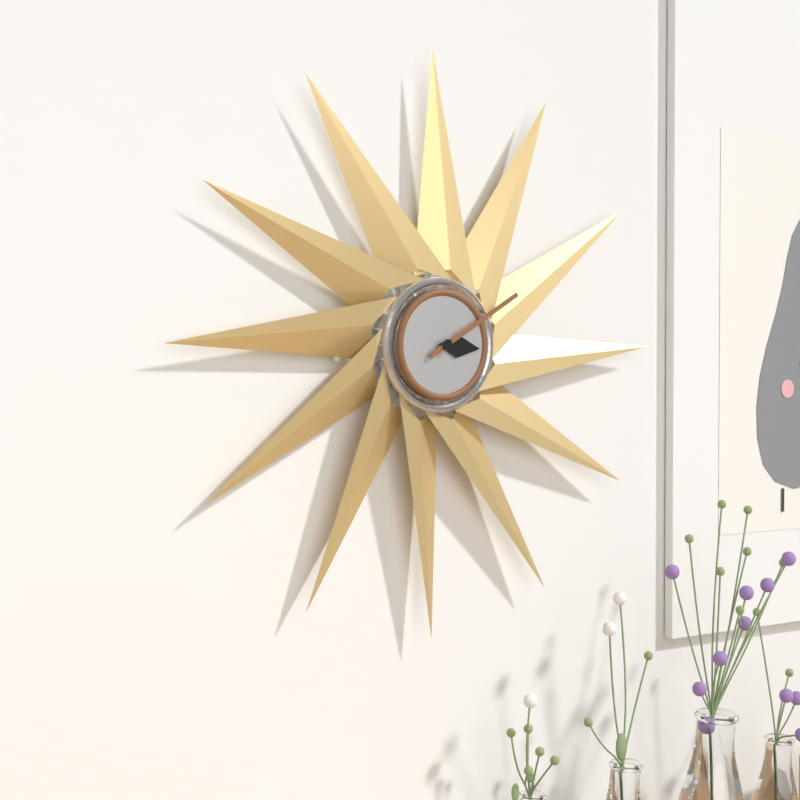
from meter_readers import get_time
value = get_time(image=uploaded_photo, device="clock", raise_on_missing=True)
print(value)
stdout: 3:10
